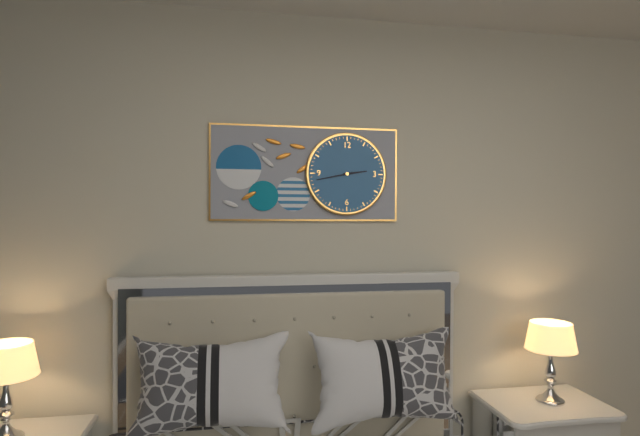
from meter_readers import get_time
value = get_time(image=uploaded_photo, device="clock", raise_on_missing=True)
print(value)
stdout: 2:43
